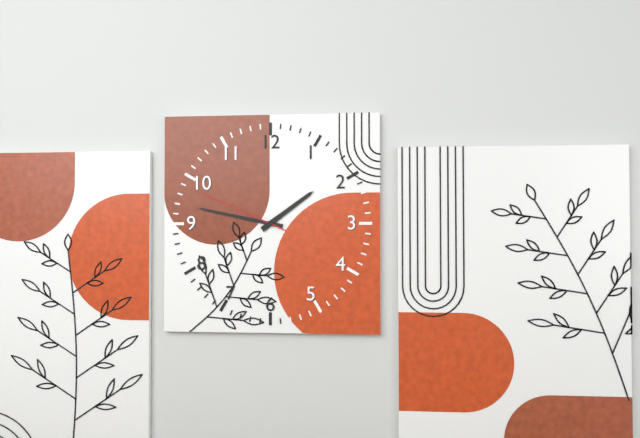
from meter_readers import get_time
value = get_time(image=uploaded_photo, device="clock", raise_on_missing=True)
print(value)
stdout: 1:47:49
